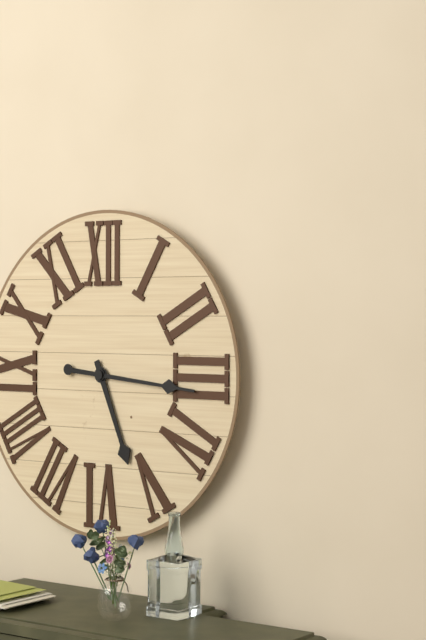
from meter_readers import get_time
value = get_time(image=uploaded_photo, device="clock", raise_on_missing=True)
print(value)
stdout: 5:16
